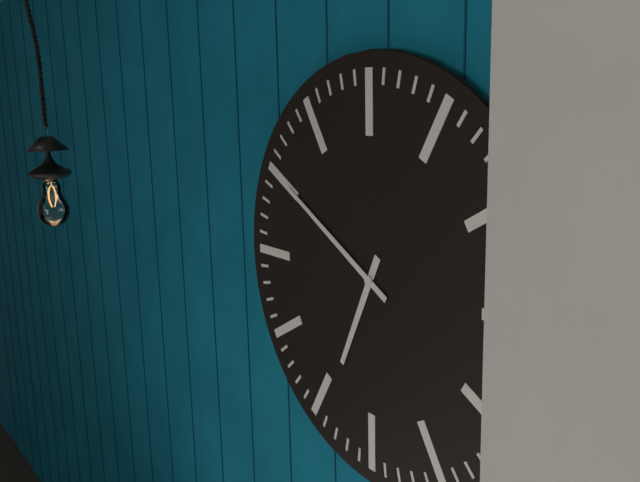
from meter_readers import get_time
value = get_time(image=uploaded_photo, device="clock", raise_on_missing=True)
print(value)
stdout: 6:50
